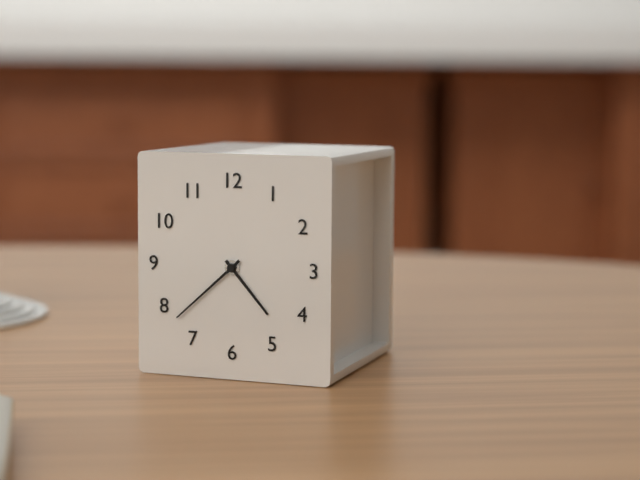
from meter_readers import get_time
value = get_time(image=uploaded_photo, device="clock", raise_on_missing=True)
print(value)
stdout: 4:38
